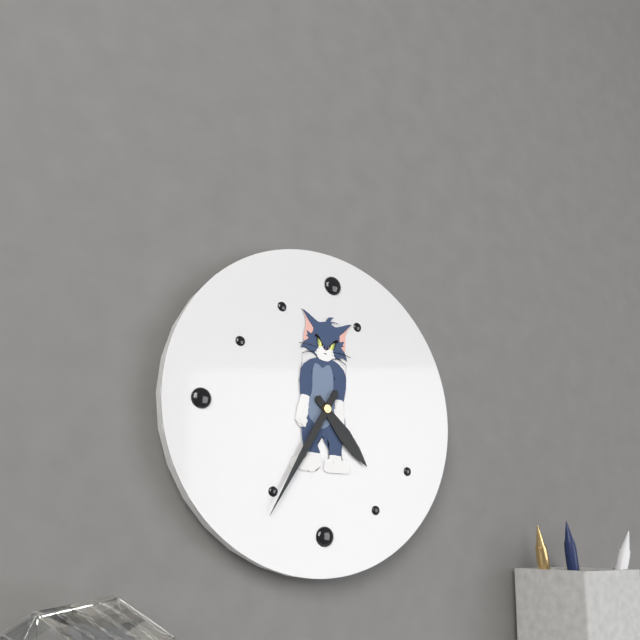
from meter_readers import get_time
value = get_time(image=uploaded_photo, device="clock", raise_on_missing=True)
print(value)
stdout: 4:35
